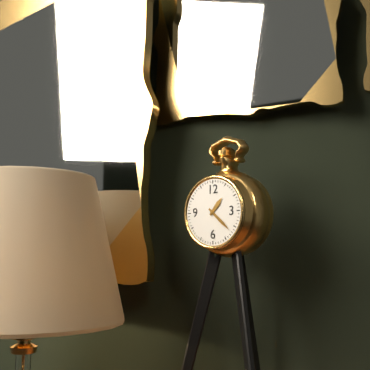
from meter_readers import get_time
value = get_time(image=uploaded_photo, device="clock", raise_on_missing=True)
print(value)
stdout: 1:22
